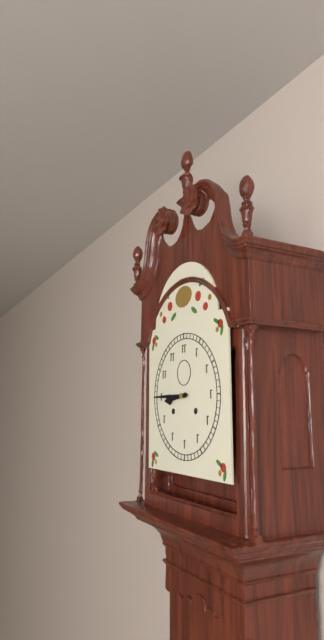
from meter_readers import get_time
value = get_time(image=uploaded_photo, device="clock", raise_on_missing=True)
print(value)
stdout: 8:45
